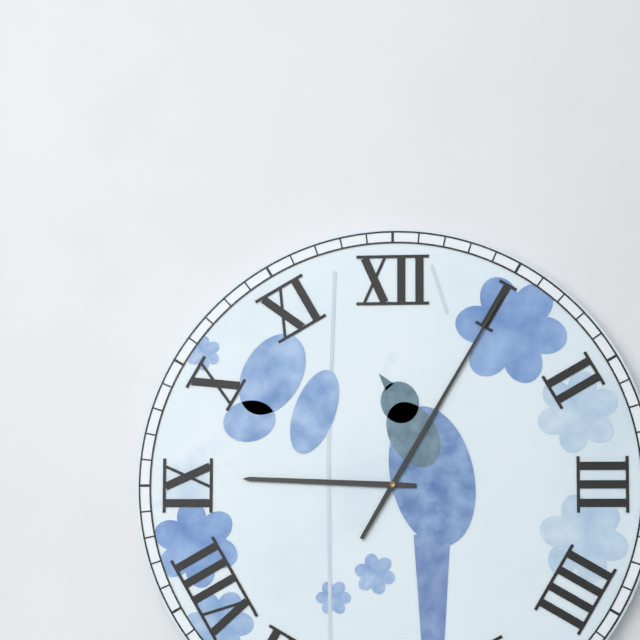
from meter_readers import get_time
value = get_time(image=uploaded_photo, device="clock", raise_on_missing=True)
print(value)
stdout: 9:05
